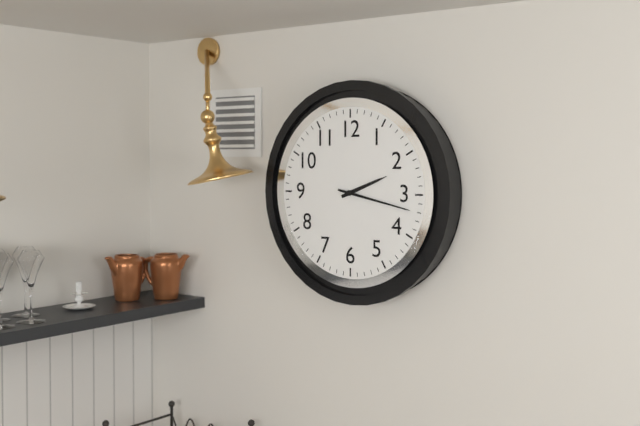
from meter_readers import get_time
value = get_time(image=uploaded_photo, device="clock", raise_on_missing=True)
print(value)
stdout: 2:17
